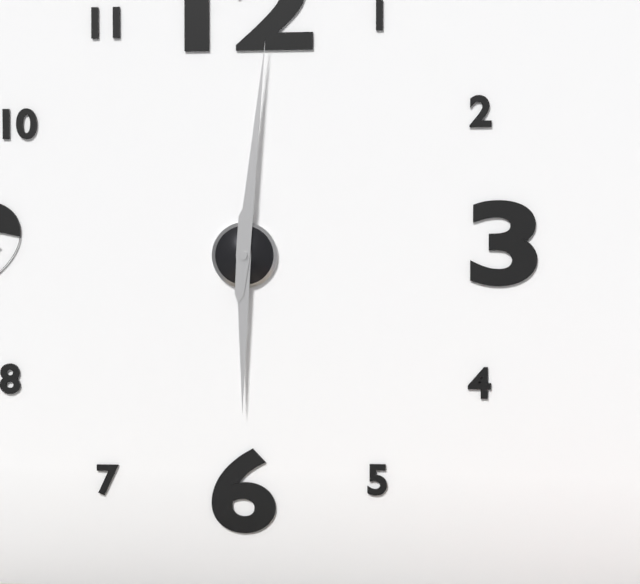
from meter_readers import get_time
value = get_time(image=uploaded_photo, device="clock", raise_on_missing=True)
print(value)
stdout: 6:01
